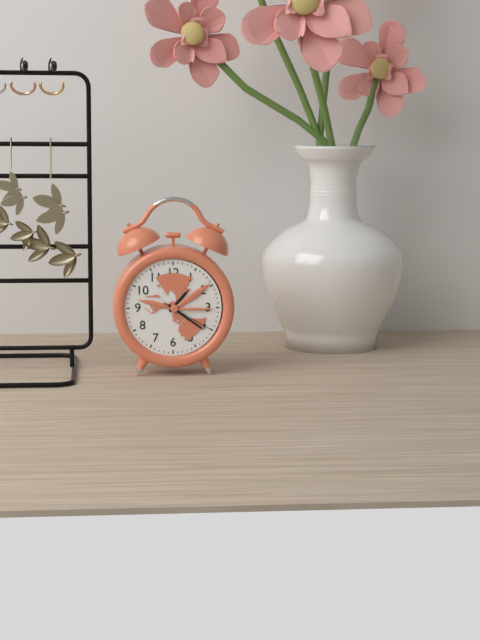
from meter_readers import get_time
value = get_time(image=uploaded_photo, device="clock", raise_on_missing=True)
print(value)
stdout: 1:21:20
